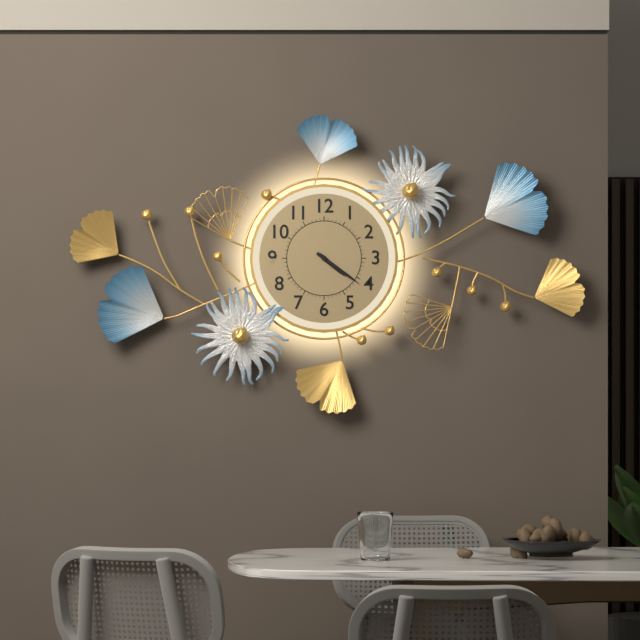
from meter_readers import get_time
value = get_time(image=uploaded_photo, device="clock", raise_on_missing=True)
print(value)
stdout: 4:21
